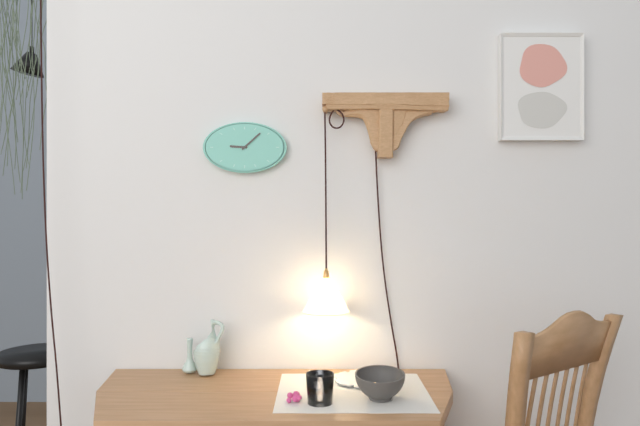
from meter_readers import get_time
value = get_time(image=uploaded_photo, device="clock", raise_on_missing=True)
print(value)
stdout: 9:08
